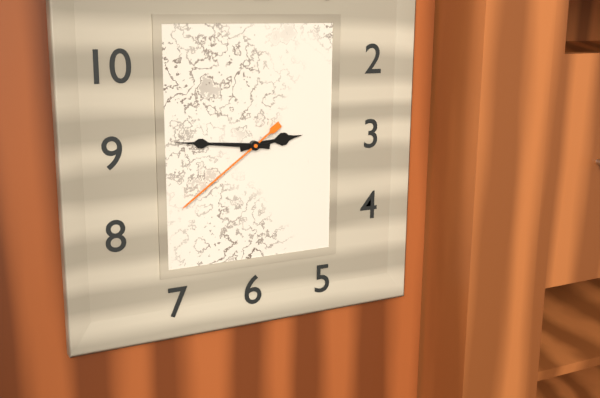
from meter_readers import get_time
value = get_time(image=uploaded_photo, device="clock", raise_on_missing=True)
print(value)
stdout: 2:46:39
